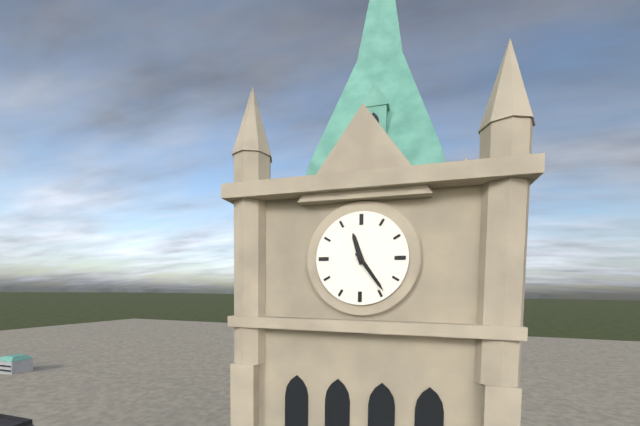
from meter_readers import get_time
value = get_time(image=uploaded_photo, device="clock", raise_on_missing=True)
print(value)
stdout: 11:24
